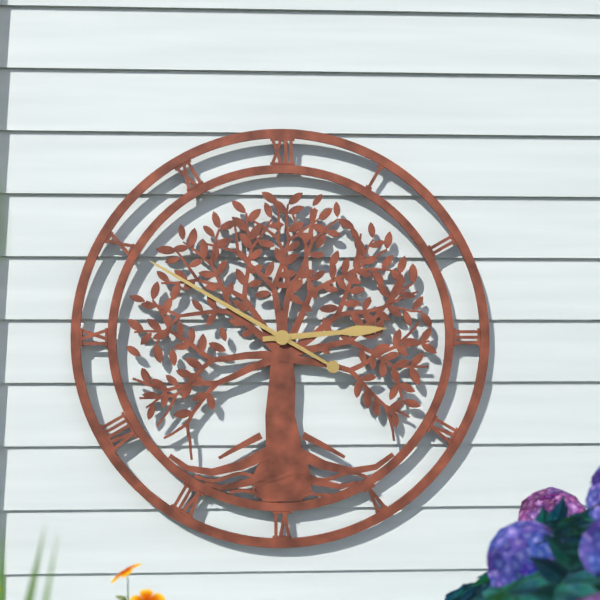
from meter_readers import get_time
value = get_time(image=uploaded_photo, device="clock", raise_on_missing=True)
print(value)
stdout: 2:50
